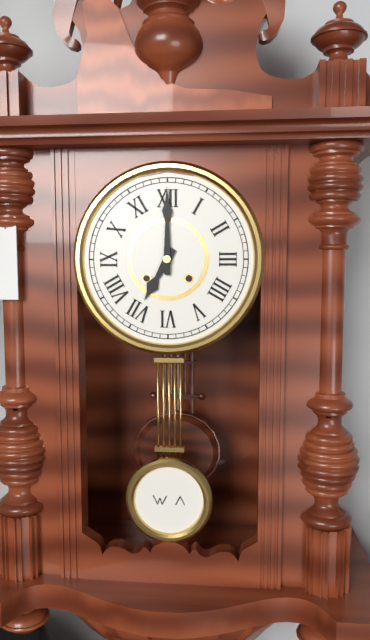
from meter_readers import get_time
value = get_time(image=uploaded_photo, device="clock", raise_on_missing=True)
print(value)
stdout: 7:00
